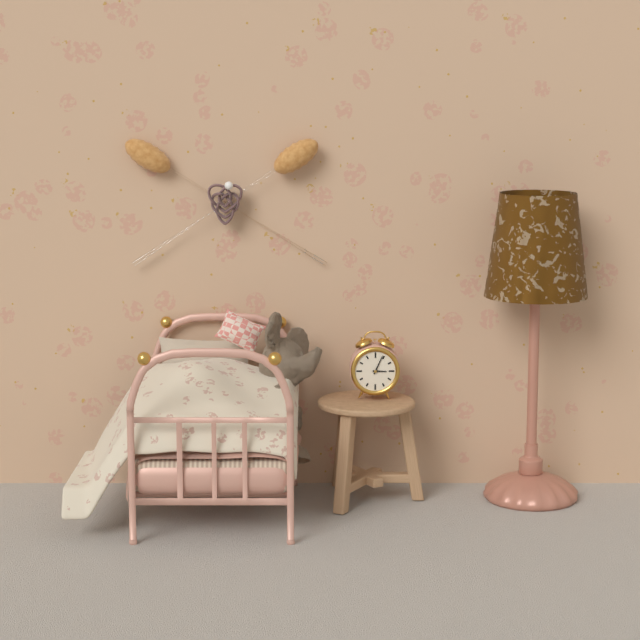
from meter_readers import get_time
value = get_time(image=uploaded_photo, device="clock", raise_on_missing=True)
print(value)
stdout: 3:04
